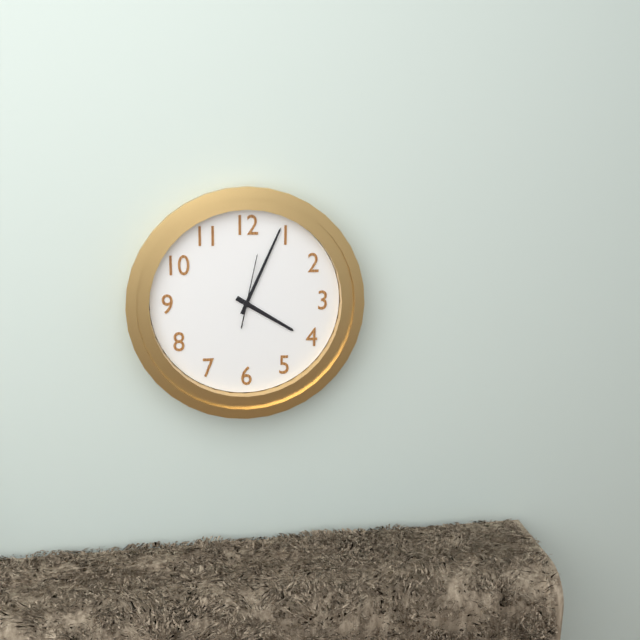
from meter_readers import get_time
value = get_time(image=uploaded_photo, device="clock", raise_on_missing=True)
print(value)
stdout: 4:04:02
